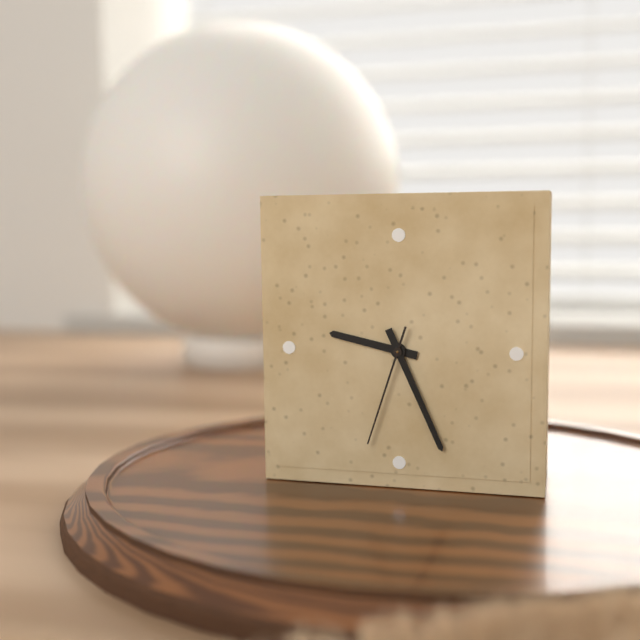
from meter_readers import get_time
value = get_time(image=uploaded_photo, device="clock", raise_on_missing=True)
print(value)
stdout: 9:26:33
